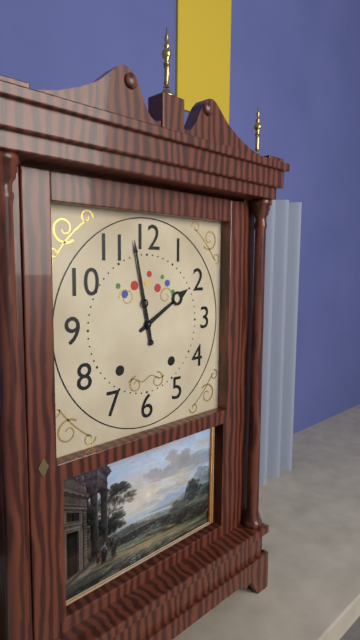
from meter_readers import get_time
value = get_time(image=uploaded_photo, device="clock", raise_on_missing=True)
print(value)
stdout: 1:58
